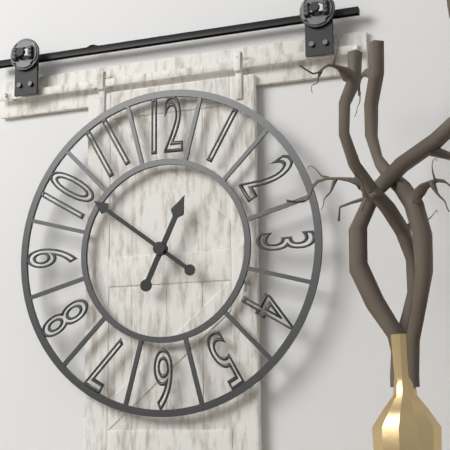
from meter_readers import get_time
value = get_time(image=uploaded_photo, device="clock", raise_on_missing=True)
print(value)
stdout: 12:51
